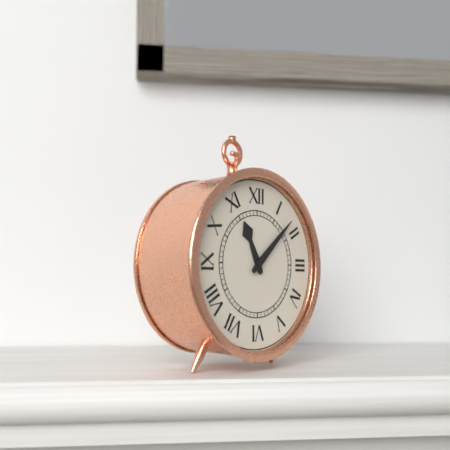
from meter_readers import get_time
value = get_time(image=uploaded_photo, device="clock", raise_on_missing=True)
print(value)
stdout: 11:08
